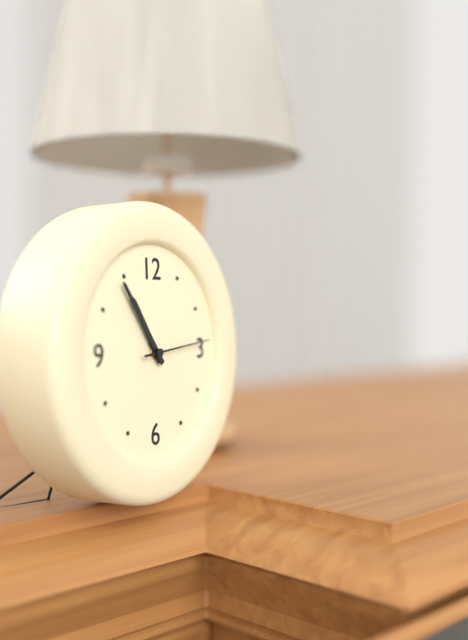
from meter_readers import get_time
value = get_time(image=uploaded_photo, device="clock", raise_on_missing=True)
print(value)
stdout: 10:54:14
